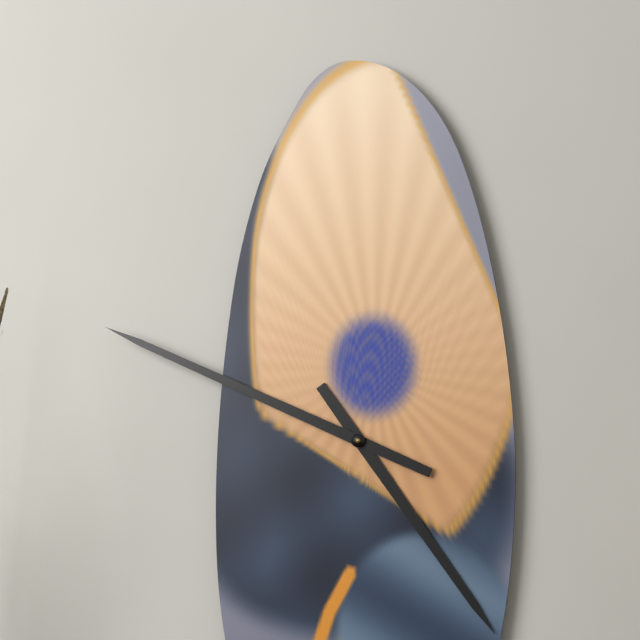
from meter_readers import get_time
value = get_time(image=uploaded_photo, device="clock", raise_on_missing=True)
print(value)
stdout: 4:49
